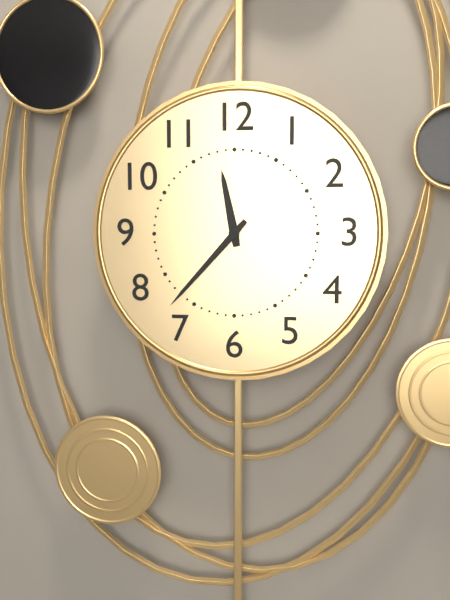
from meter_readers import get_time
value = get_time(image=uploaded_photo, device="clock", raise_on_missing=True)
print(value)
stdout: 11:37
